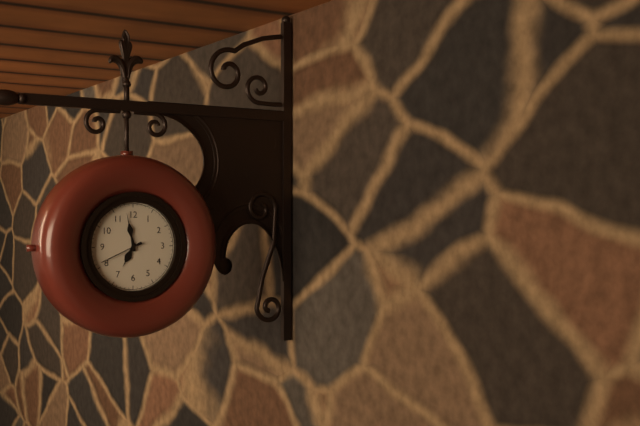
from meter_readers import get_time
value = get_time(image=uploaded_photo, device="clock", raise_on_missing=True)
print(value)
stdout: 6:58
